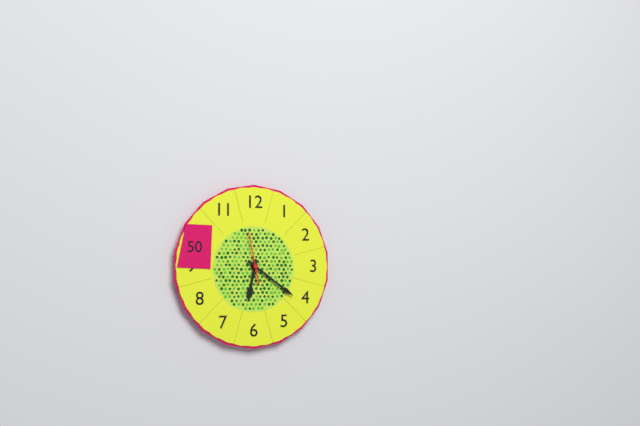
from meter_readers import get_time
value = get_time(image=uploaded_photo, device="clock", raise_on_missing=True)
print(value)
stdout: 6:21
